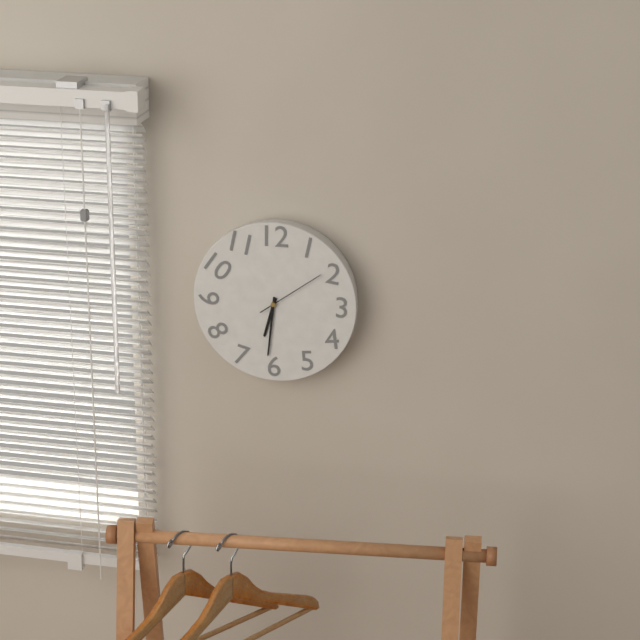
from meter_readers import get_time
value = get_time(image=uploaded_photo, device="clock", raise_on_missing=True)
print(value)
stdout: 6:31:09
